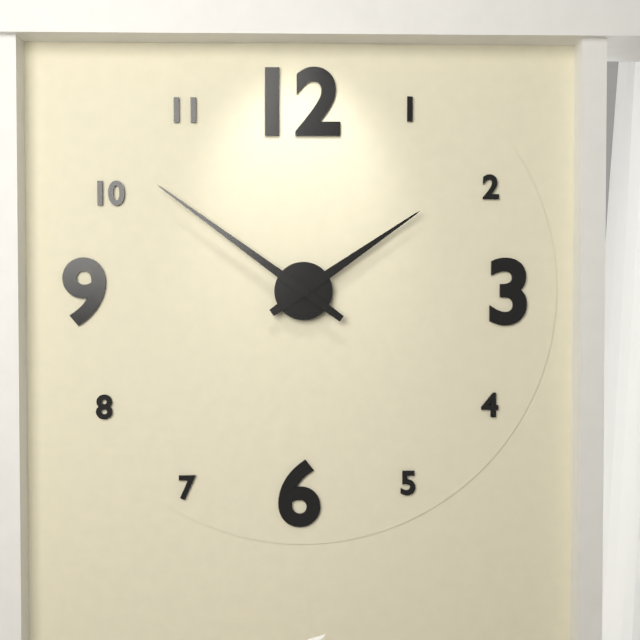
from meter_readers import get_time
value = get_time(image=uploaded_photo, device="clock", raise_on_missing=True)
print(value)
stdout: 1:51
